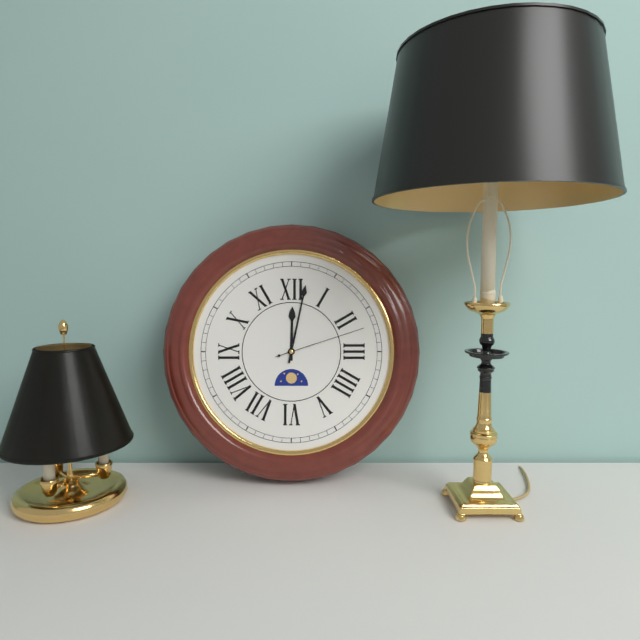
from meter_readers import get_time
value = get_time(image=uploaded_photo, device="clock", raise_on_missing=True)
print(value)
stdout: 12:02:12
